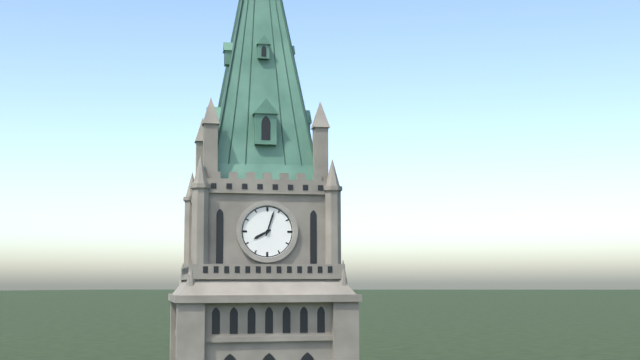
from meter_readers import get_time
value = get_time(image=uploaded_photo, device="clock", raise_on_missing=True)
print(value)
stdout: 8:03
